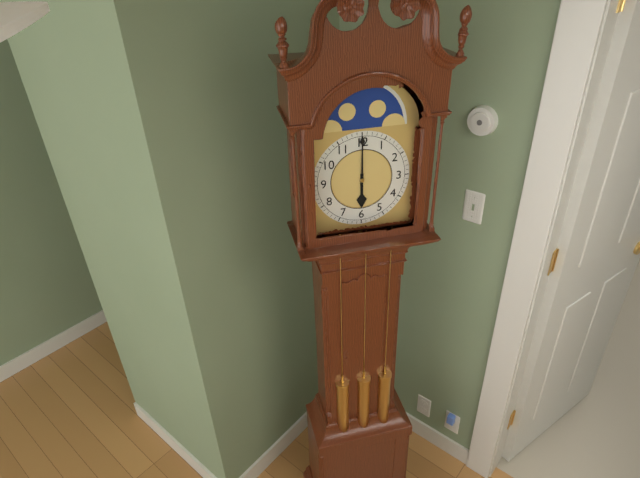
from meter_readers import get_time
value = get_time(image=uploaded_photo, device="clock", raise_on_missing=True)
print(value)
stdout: 6:00
